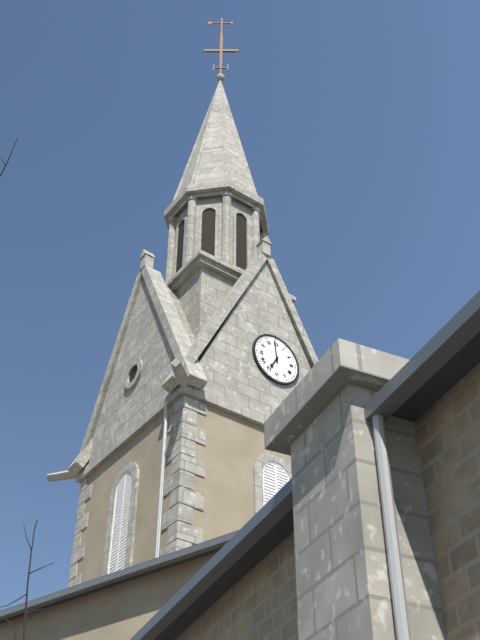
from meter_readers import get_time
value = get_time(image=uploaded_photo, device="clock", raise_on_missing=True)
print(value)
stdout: 6:59
